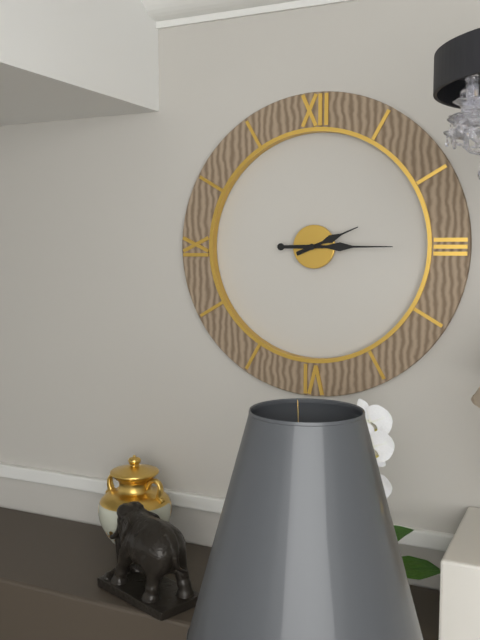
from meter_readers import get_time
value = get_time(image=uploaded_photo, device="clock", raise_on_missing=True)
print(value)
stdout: 2:15
